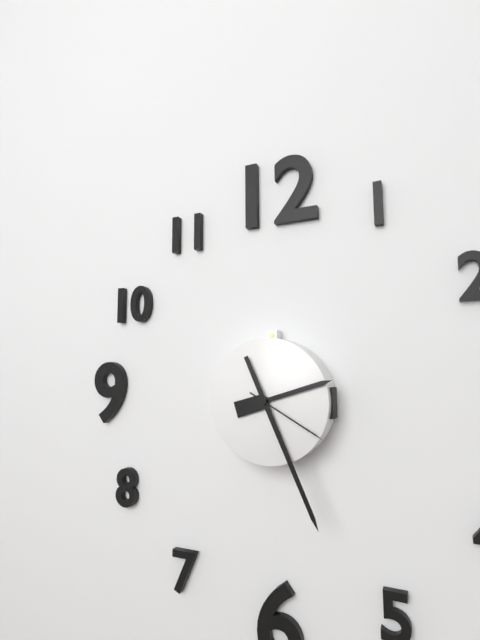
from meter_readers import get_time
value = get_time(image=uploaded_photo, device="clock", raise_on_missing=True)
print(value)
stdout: 2:26:20
